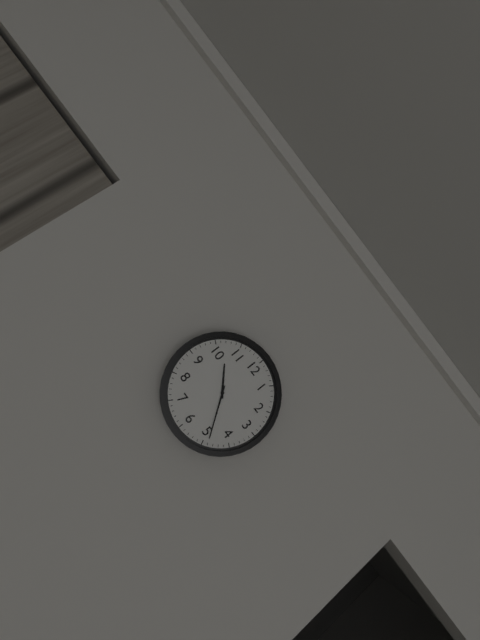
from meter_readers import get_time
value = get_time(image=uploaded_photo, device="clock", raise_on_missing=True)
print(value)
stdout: 10:24
